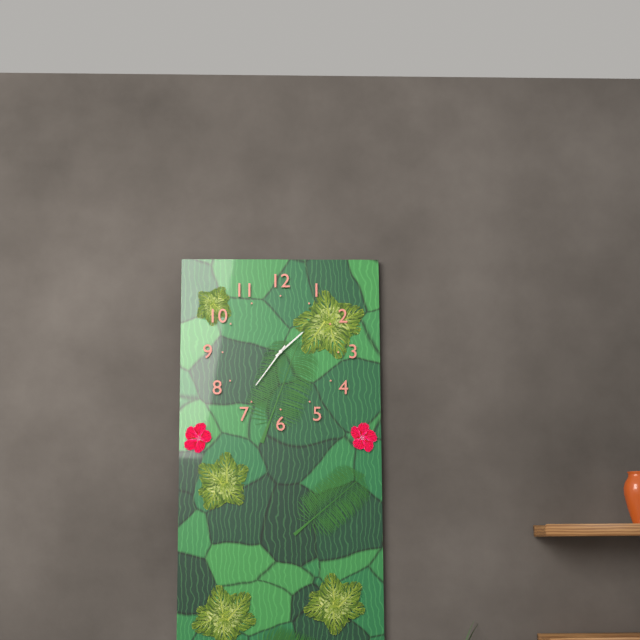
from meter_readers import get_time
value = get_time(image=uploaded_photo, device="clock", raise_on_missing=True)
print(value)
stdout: 1:36
